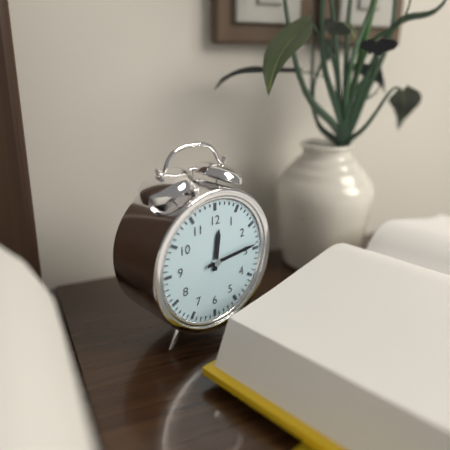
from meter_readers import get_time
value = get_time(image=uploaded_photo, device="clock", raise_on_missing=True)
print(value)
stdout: 12:14
